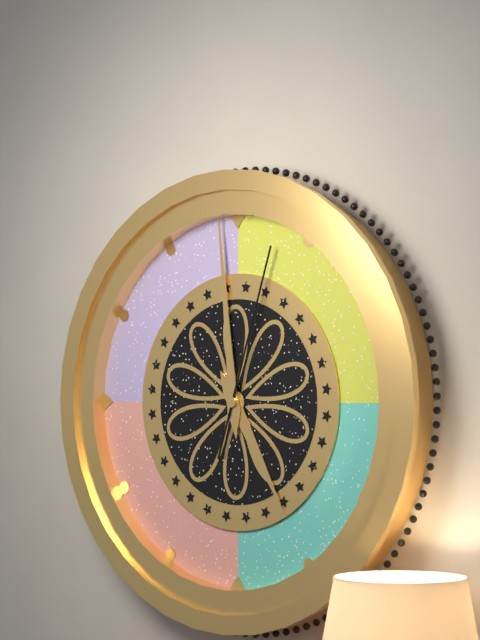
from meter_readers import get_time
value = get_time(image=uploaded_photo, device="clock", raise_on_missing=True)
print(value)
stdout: 4:59:03
